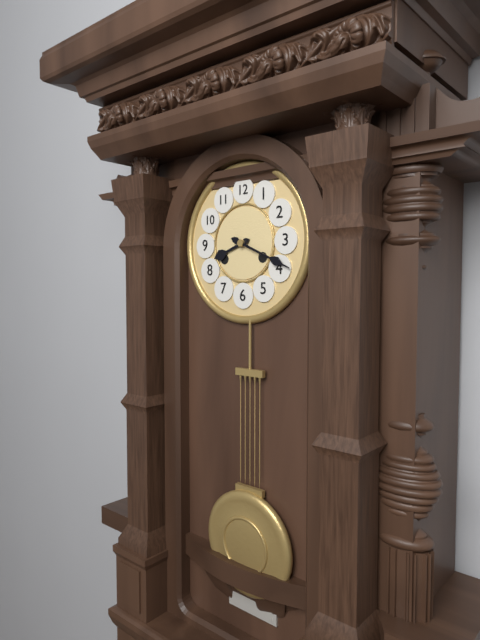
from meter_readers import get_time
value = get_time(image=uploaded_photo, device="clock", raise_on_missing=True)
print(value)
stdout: 8:19
